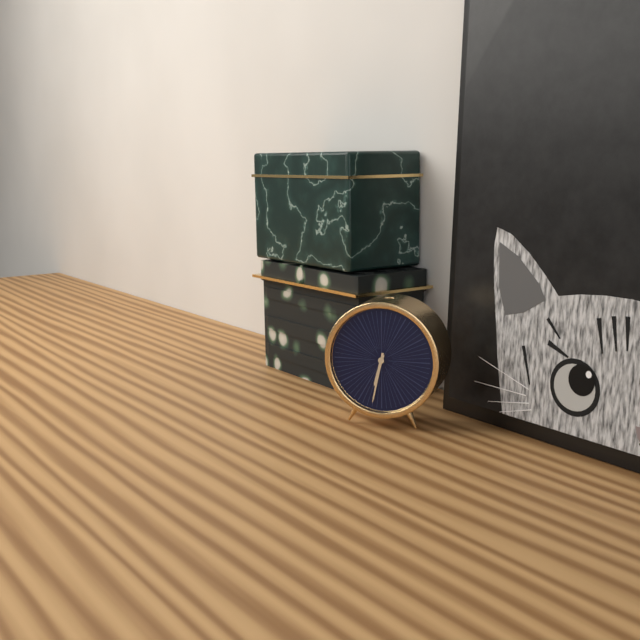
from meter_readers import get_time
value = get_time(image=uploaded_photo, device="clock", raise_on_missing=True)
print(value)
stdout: 6:32
